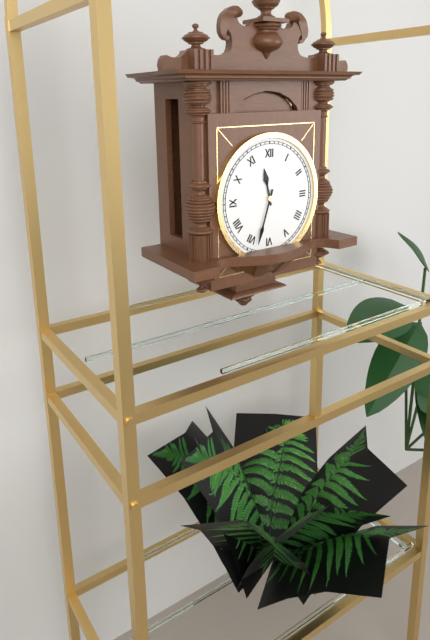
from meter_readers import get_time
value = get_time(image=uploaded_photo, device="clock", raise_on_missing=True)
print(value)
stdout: 11:33
